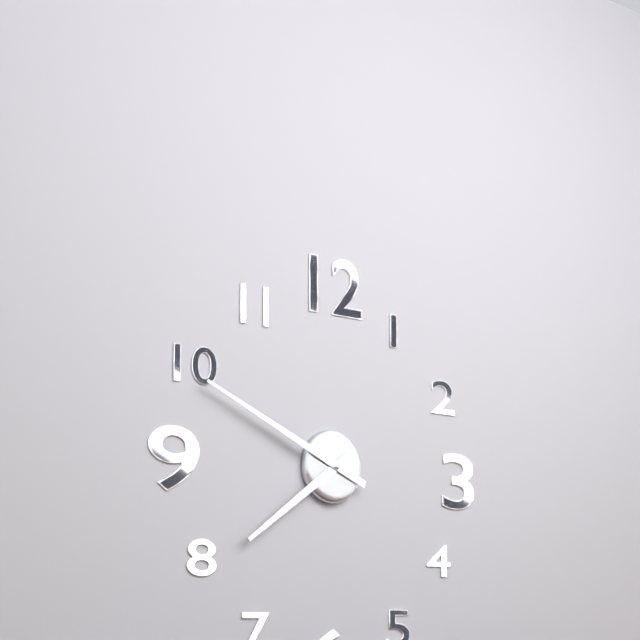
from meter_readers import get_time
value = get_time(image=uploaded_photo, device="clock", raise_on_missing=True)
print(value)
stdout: 7:49
